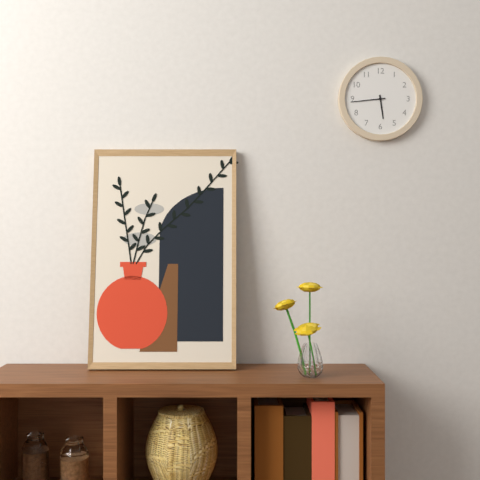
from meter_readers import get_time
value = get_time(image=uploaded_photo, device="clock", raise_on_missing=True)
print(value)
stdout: 5:44
